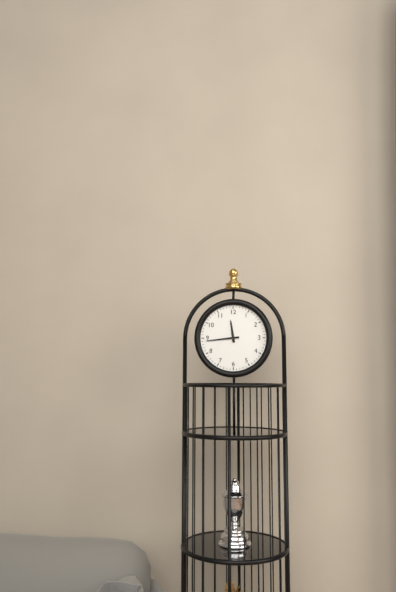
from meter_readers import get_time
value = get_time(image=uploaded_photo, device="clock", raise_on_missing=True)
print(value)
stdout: 11:44
